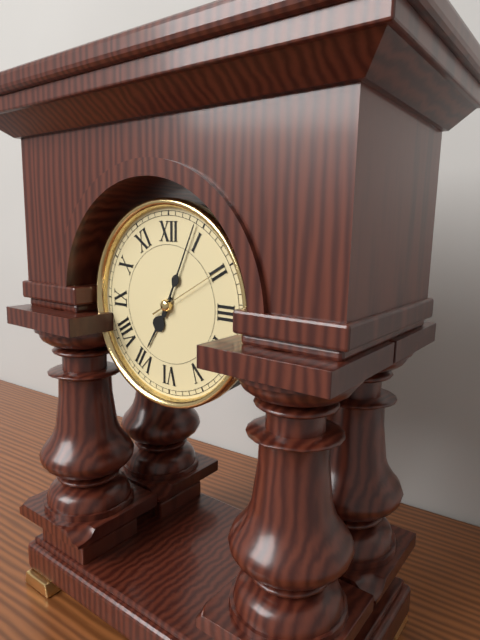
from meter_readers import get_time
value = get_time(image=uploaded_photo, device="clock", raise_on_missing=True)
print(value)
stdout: 7:04:10
